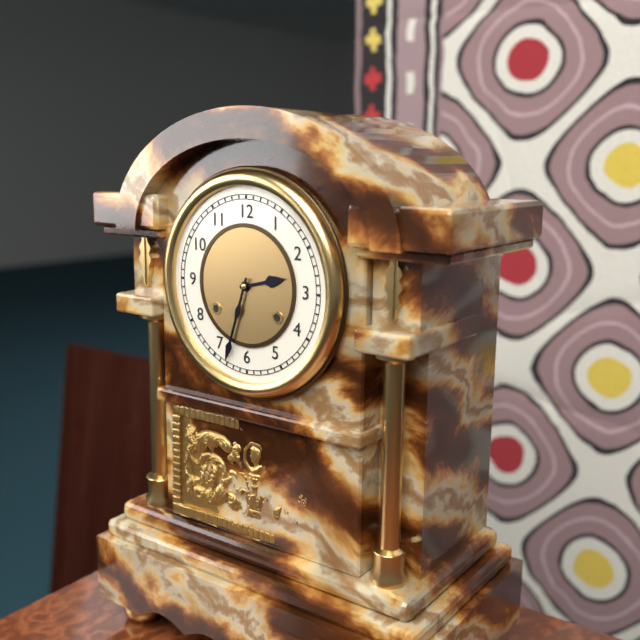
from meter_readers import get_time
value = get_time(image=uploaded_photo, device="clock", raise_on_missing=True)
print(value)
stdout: 2:33
